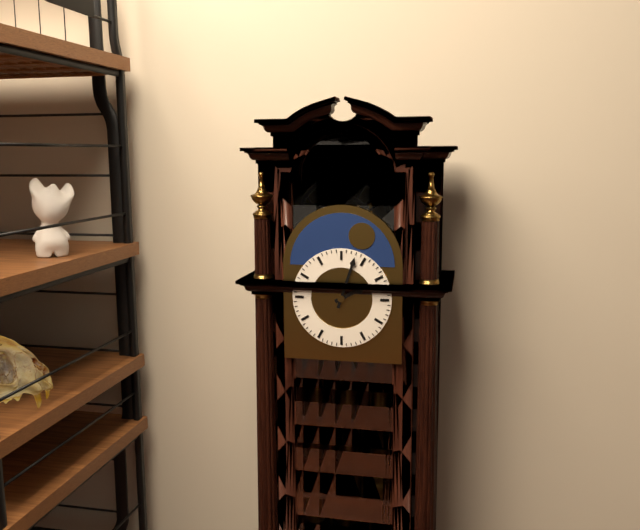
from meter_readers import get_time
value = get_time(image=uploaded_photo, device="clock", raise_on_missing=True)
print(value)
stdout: 2:03
